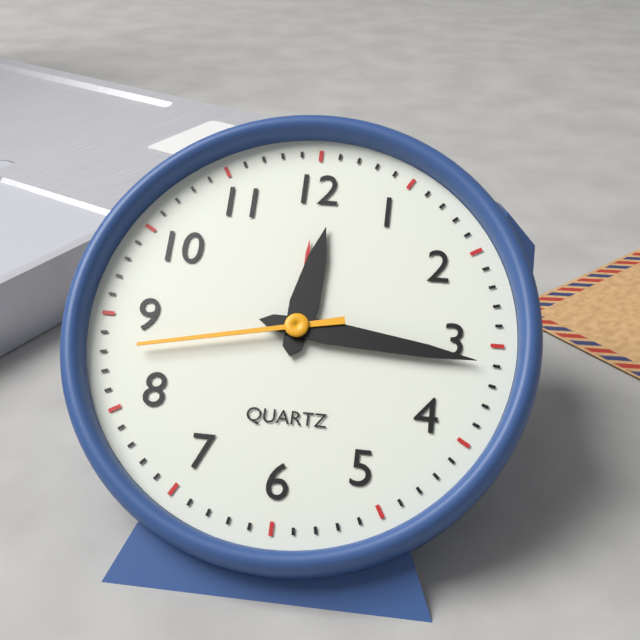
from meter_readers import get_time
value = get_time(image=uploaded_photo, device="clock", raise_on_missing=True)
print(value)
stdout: 12:16:43
